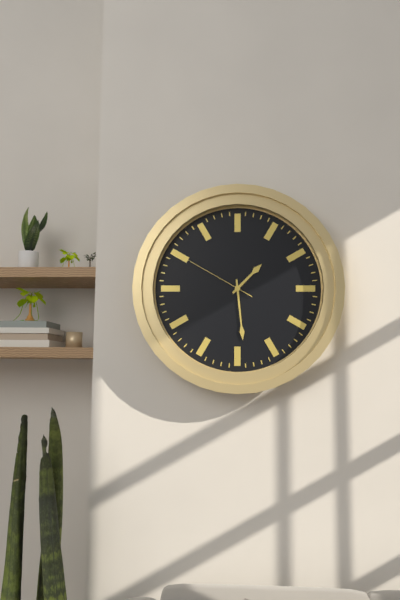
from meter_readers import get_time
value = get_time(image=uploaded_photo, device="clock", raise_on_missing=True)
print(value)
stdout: 1:29:50
